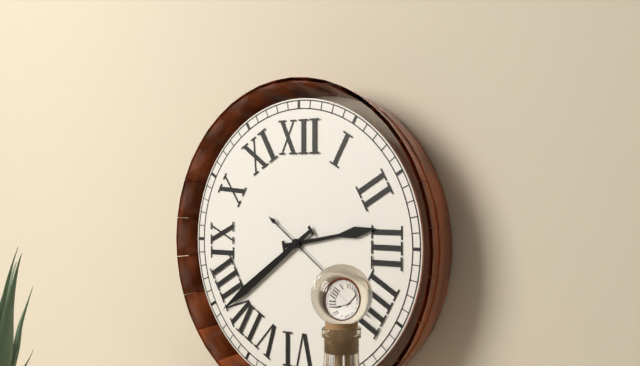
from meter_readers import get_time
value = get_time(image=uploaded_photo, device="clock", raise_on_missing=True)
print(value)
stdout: 2:39:21
